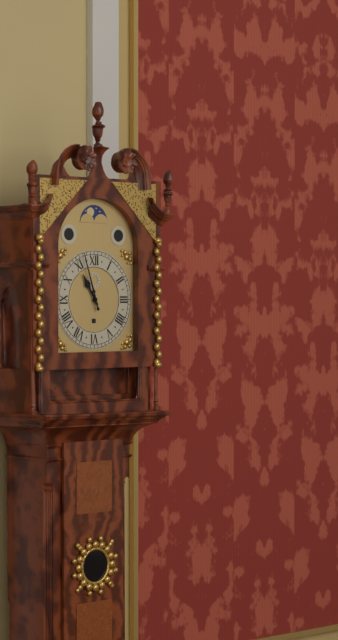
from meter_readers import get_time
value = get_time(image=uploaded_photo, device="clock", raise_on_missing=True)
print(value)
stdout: 10:57
